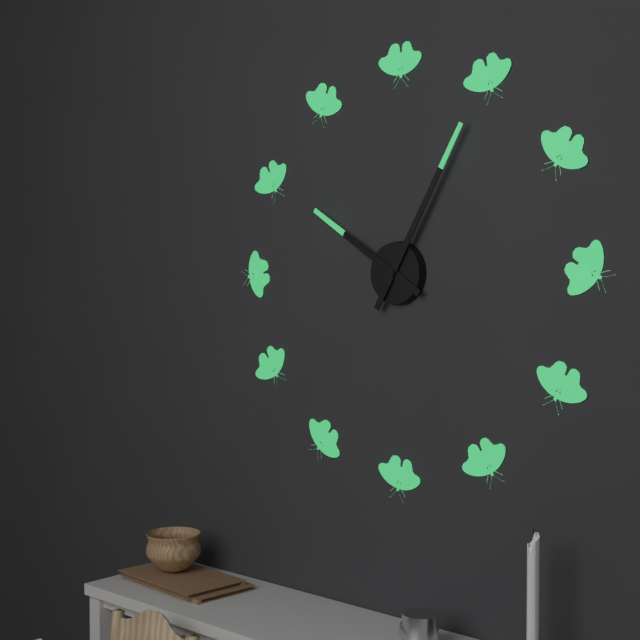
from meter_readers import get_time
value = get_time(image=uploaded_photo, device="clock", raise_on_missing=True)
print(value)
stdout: 10:05
